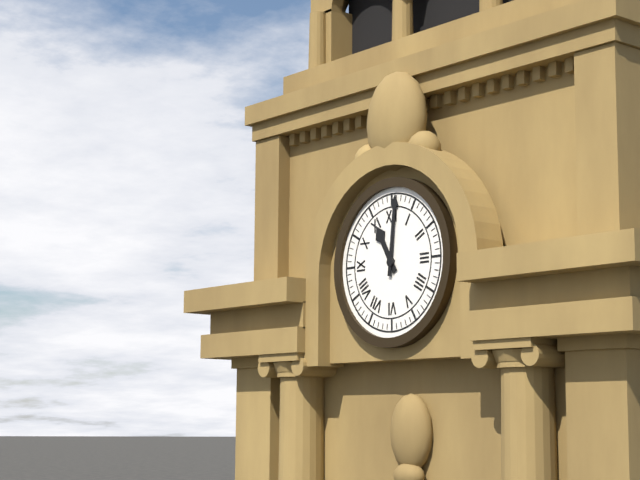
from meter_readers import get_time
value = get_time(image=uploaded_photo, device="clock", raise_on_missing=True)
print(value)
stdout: 11:01
